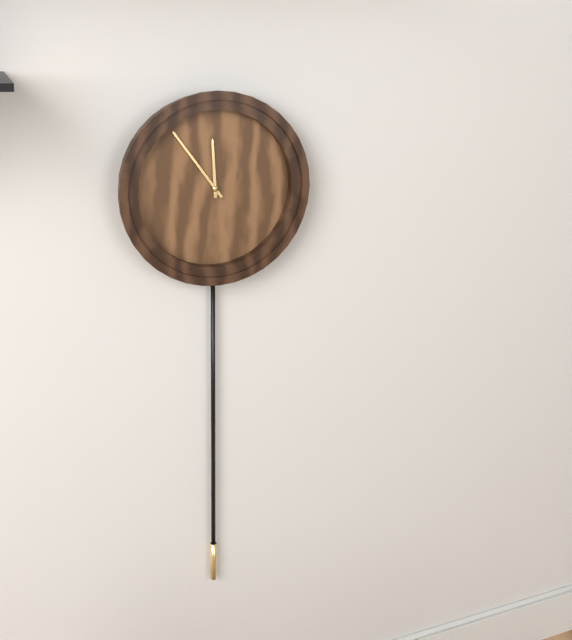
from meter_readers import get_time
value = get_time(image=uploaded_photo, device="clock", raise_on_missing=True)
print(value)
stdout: 11:54
